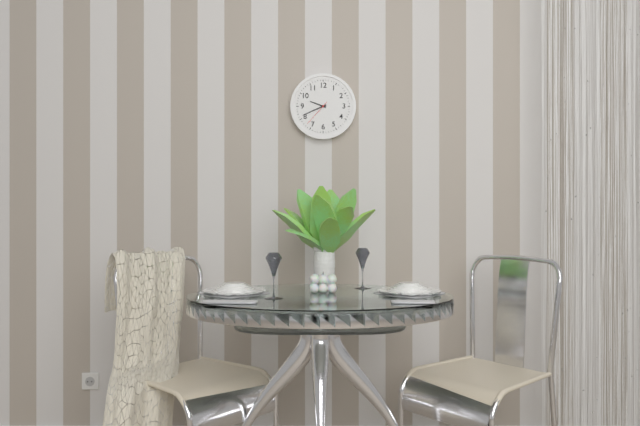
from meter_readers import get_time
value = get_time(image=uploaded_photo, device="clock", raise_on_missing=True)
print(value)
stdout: 9:41
